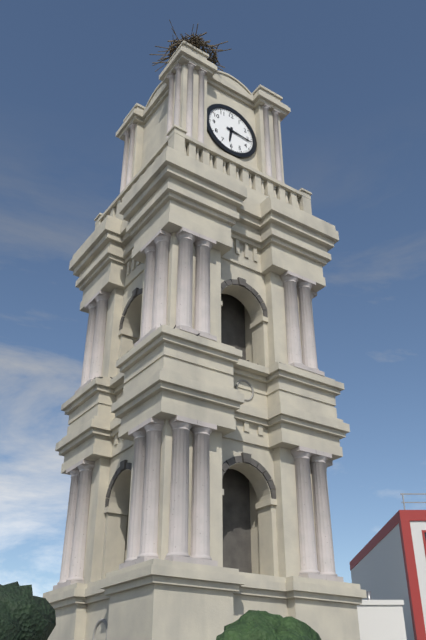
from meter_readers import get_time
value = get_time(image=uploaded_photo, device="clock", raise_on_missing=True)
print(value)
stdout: 6:16
